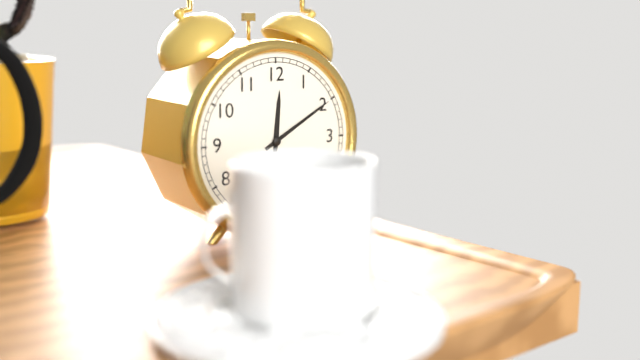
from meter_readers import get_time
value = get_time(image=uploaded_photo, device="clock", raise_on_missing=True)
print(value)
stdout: 12:10
